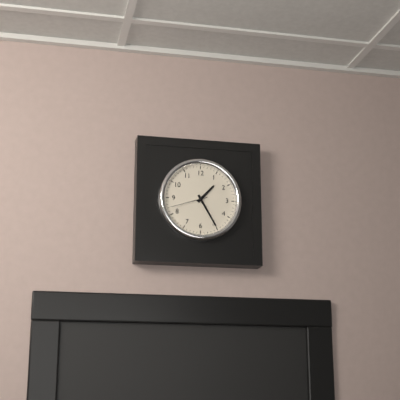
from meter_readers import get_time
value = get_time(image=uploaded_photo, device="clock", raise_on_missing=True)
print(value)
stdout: 1:25
